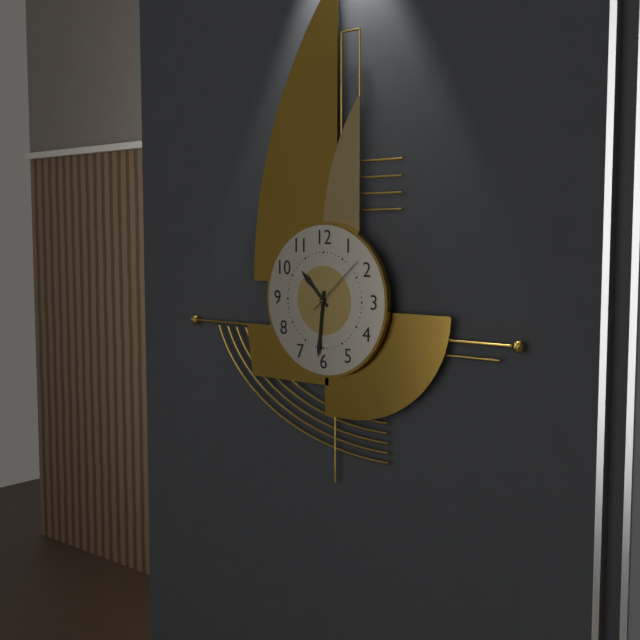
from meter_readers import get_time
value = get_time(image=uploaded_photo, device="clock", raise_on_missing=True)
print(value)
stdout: 10:31:08
